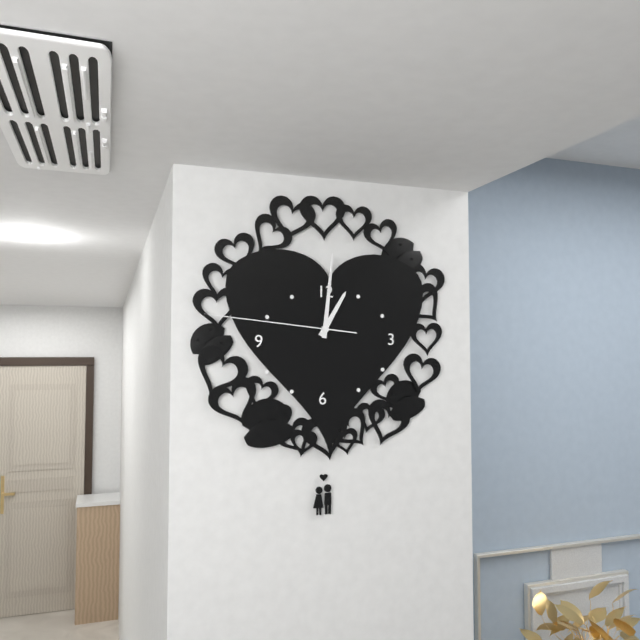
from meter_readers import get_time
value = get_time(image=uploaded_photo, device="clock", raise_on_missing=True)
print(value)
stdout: 1:01:46
